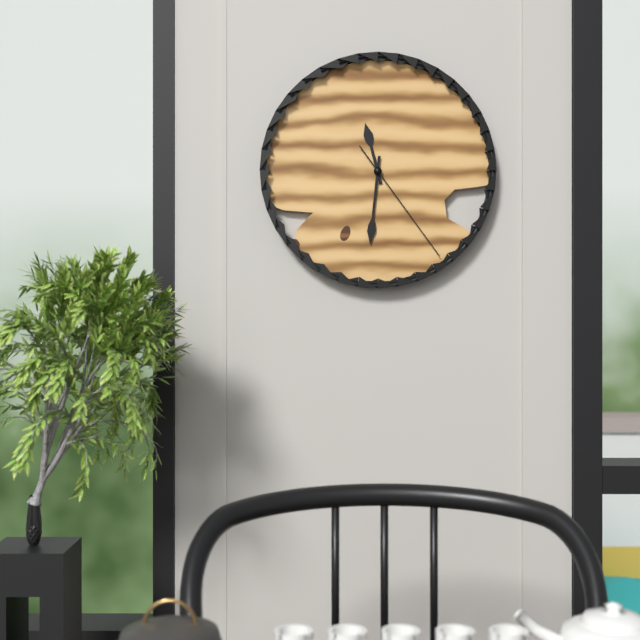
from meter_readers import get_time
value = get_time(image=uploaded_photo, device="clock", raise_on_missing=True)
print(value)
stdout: 11:31:24
